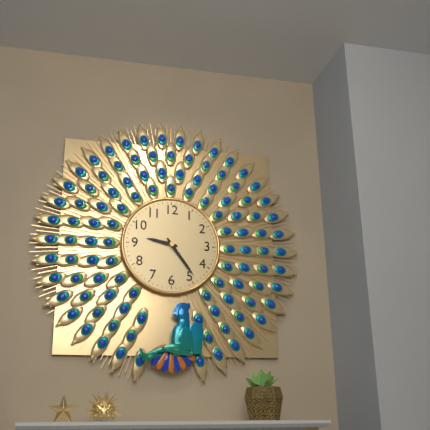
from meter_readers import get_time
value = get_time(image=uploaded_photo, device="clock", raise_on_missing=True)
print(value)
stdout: 9:24
